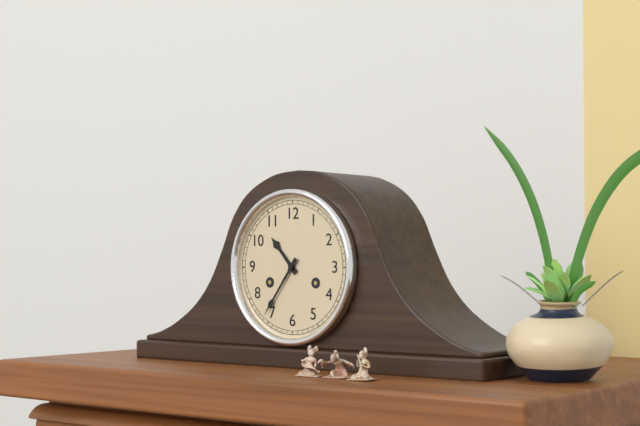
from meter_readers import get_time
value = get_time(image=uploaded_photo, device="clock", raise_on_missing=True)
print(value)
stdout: 10:36
